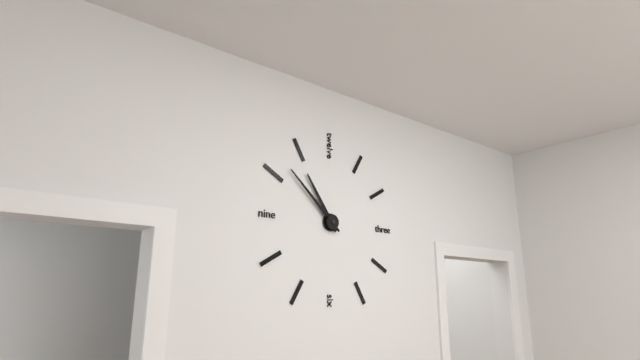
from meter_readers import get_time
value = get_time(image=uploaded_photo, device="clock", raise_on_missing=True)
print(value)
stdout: 10:52
